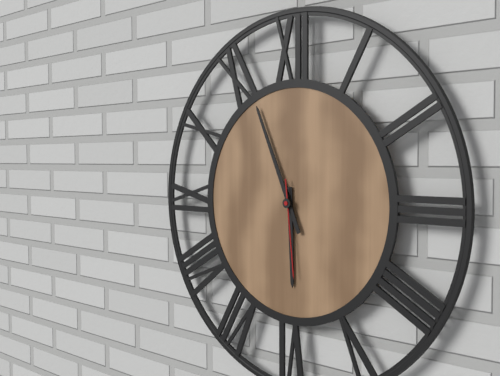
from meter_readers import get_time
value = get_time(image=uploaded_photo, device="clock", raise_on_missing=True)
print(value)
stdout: 5:56:29
